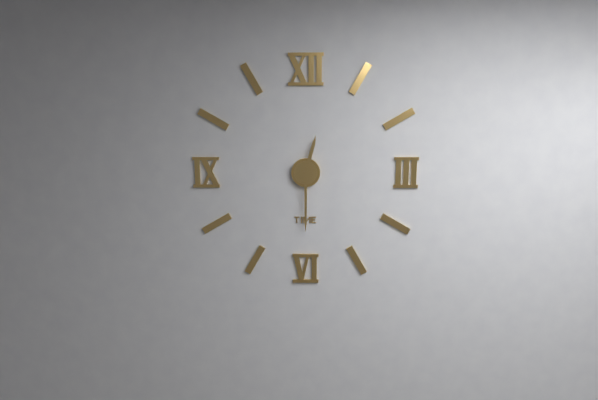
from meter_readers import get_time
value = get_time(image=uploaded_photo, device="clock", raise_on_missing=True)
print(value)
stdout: 12:30
